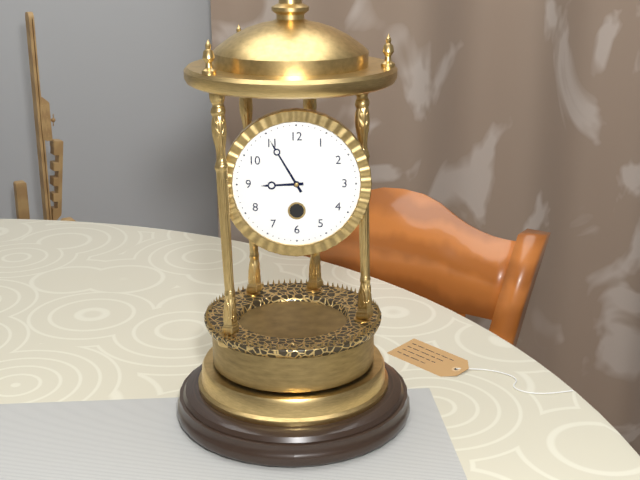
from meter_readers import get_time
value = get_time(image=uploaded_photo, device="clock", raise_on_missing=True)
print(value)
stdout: 8:55
